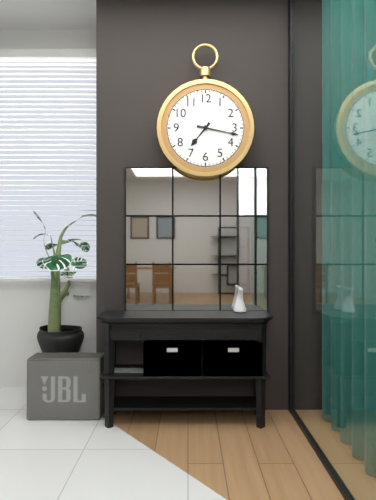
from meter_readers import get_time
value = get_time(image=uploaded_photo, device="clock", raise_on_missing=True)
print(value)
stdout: 7:17
